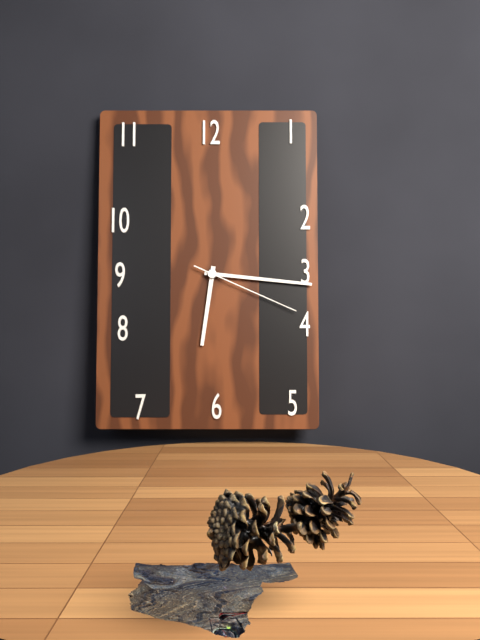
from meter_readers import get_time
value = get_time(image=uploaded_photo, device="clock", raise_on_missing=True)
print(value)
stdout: 6:16:19
